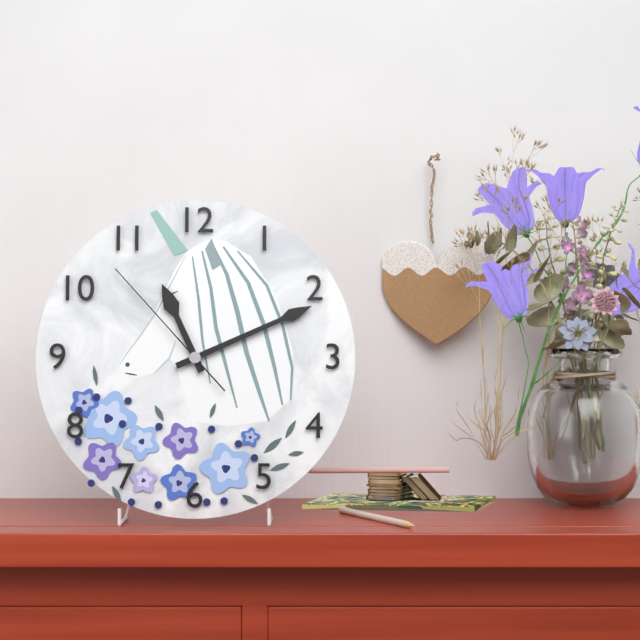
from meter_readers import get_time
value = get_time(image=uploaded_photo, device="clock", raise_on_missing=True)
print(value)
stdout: 11:11:53
